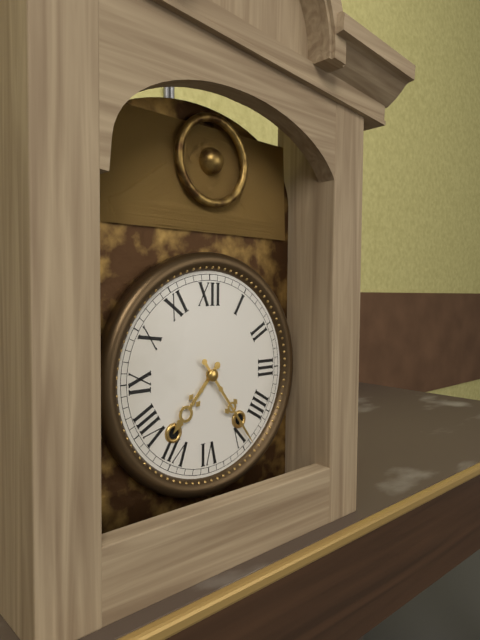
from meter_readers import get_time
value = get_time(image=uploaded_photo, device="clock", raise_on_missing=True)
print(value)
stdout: 7:24
